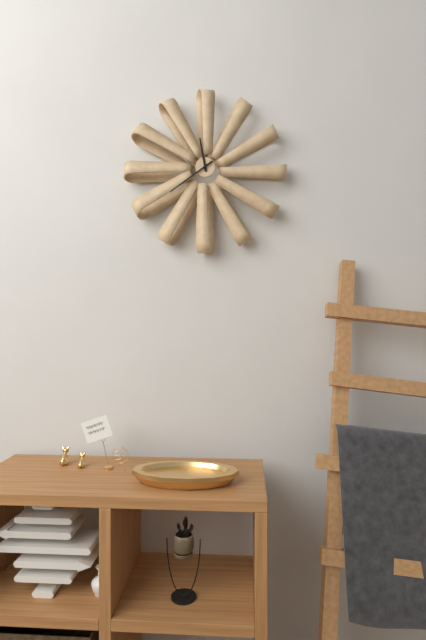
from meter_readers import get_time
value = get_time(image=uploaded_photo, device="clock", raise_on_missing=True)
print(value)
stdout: 11:39
